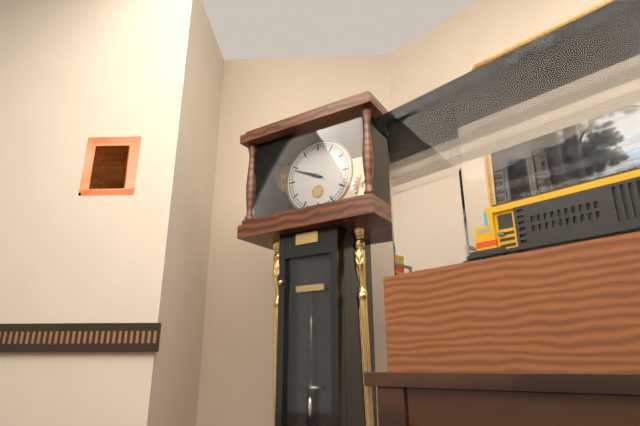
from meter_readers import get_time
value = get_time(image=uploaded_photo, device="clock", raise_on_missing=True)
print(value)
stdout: 9:49
